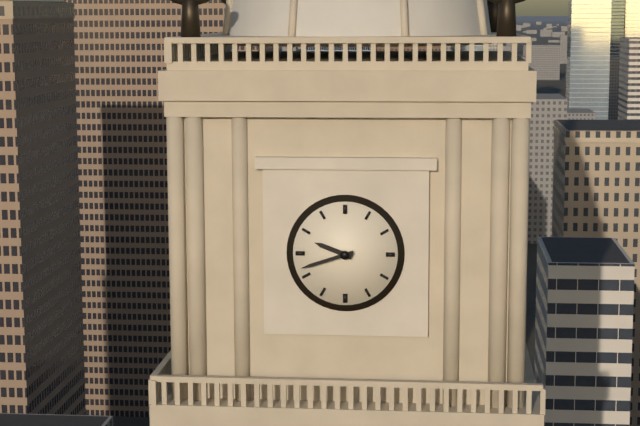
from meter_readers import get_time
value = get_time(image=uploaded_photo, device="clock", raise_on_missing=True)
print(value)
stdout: 9:42
